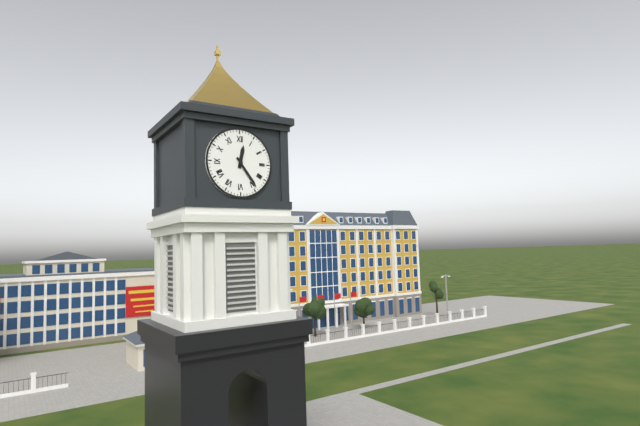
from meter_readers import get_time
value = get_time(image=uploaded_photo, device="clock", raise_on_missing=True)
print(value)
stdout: 12:24
